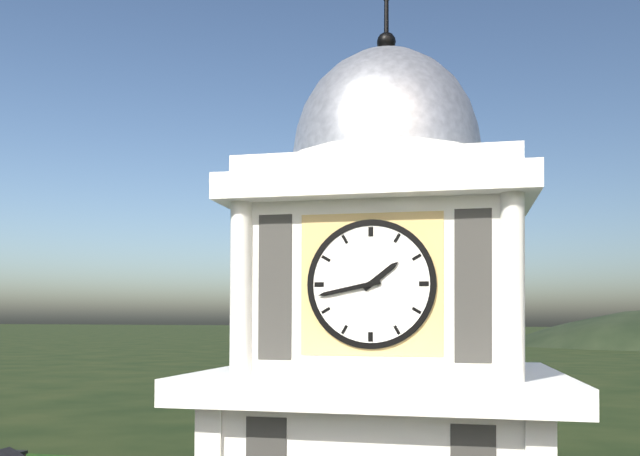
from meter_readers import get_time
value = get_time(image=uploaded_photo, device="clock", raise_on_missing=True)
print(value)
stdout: 1:43
